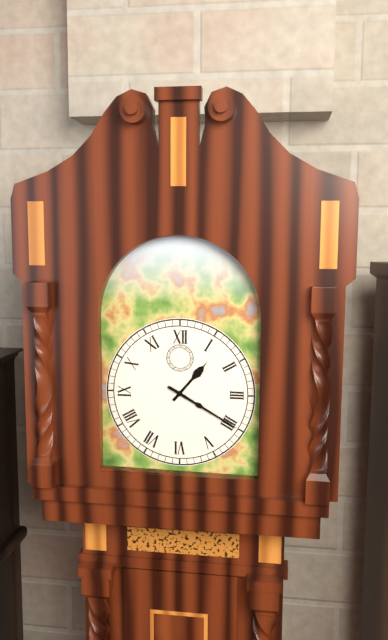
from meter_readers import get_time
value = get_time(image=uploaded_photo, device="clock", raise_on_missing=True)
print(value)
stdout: 1:20
